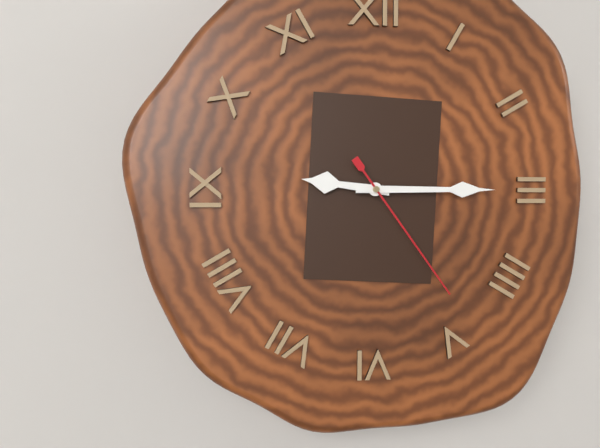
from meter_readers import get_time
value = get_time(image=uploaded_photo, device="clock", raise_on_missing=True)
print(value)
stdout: 9:15:24
